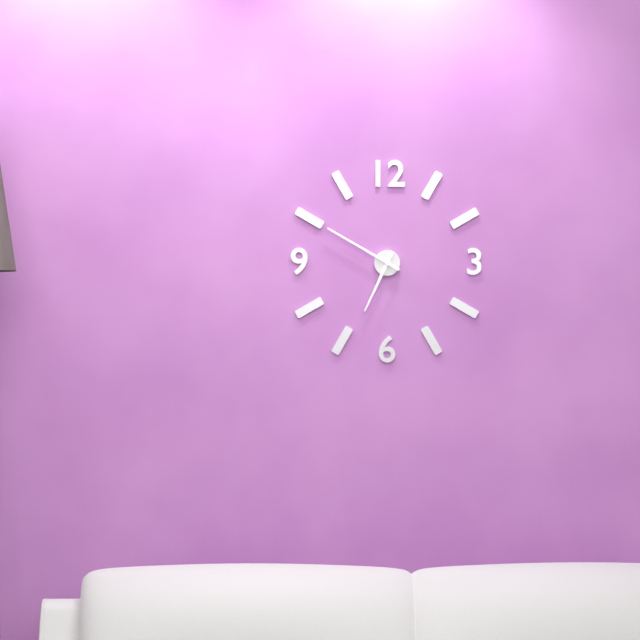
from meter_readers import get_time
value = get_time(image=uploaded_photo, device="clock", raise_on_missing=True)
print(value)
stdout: 6:50
